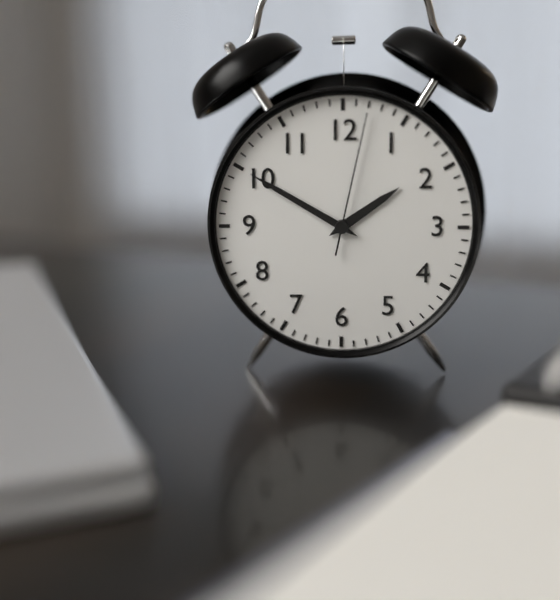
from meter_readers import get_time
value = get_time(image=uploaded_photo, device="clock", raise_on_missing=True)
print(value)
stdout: 1:50:02
